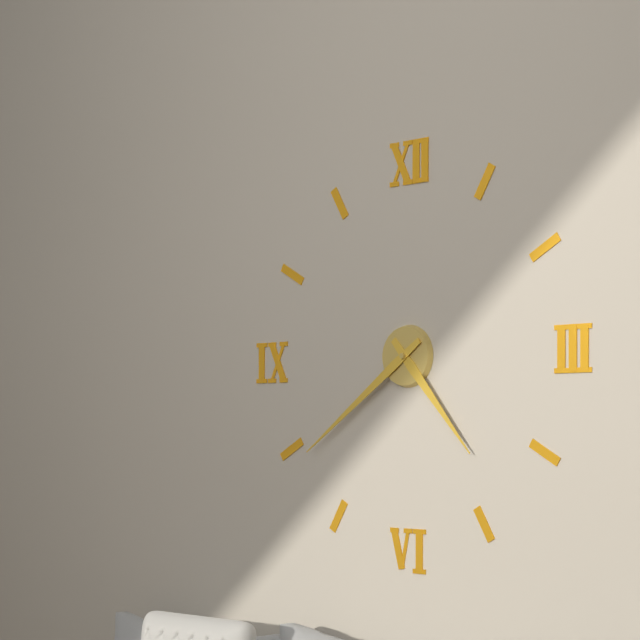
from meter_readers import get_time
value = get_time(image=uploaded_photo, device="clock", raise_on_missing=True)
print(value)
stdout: 4:39
